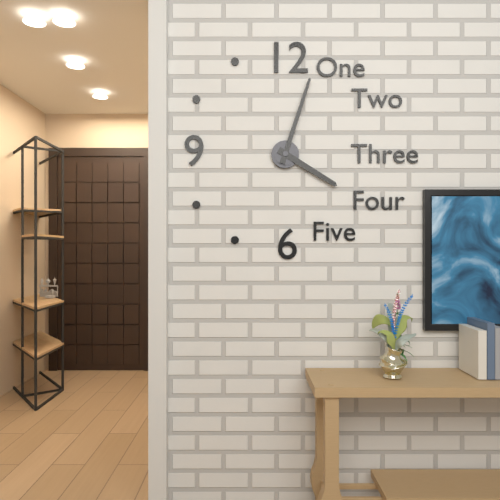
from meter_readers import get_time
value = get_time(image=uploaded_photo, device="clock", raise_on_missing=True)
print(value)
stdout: 4:03
